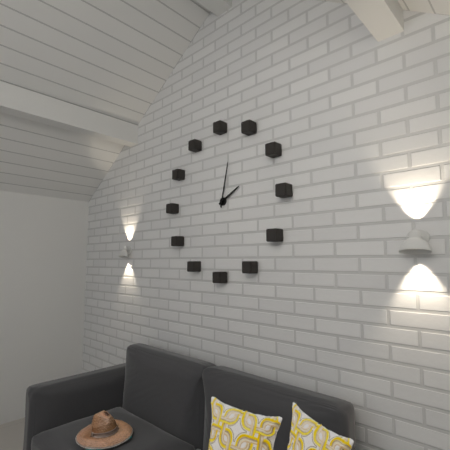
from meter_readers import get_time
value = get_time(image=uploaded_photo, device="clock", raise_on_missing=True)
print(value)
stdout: 2:02
